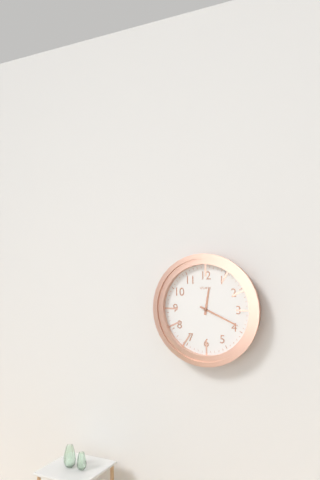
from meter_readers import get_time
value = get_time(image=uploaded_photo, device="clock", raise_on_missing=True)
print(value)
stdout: 12:19
